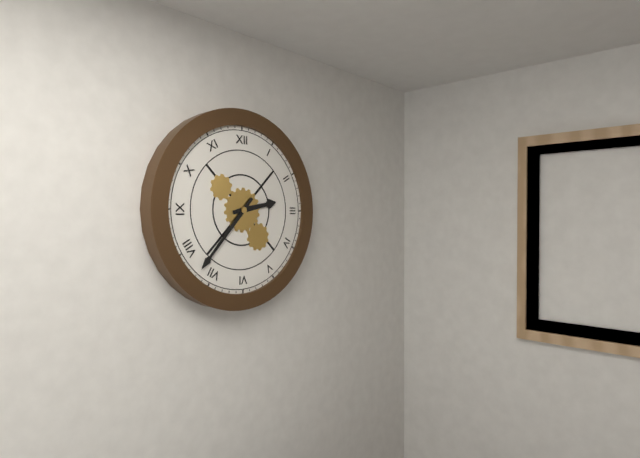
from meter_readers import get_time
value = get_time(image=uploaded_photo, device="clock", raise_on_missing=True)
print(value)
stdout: 2:37
